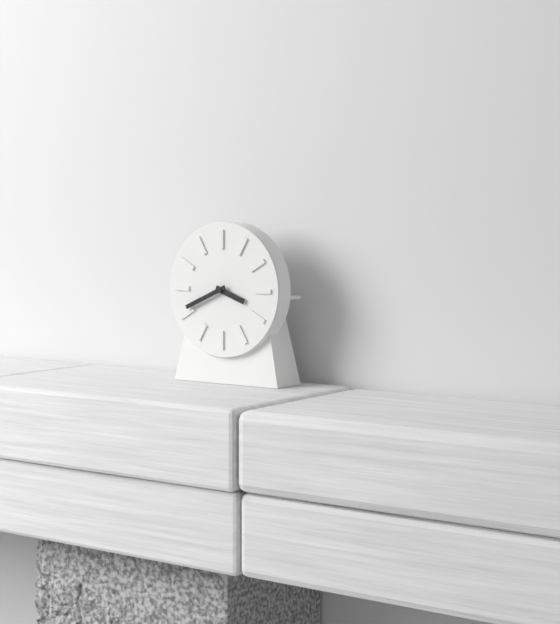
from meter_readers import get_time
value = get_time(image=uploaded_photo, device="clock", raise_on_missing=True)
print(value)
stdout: 3:41
